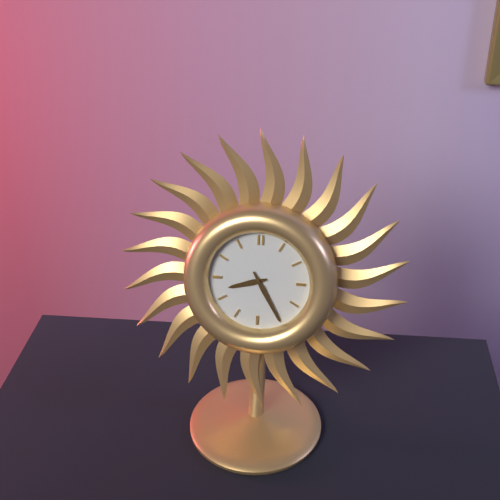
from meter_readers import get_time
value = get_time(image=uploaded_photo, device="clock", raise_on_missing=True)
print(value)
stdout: 8:25
